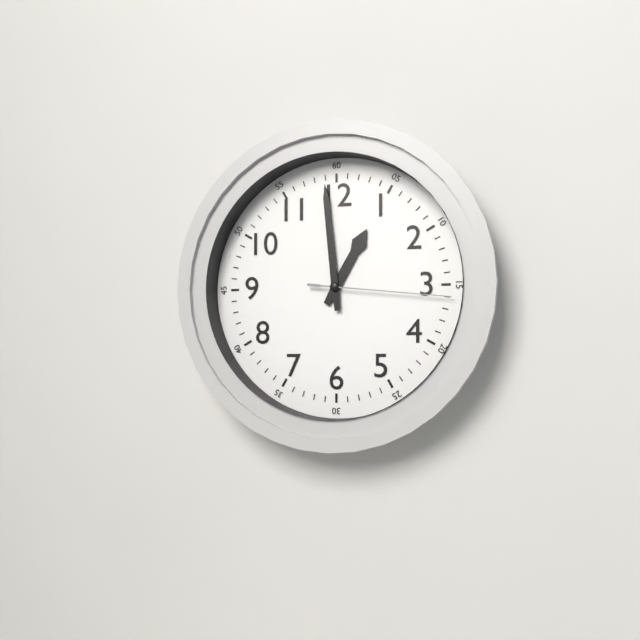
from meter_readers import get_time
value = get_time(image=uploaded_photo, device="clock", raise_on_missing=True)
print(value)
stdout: 12:59:16
